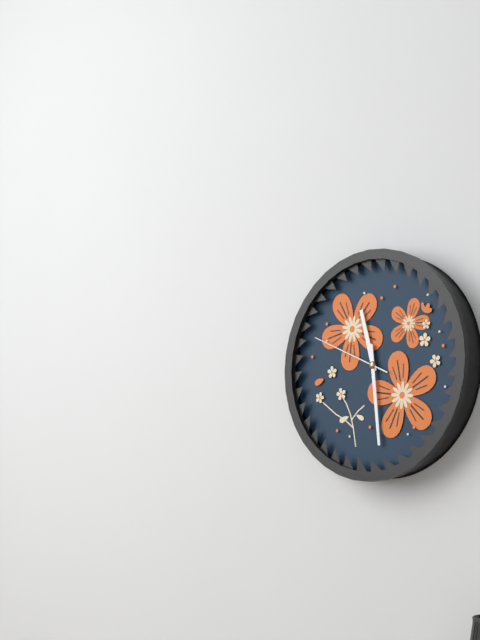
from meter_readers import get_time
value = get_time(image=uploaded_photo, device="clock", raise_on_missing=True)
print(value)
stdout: 11:29:49
